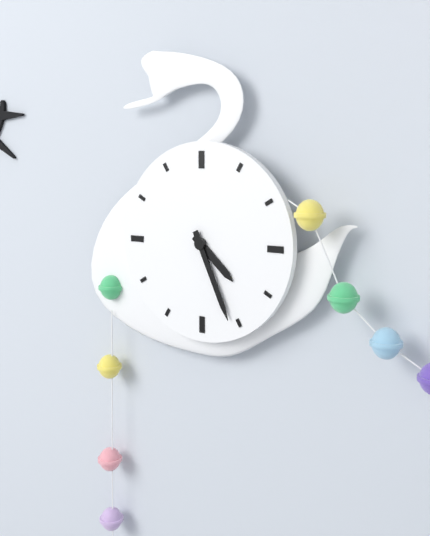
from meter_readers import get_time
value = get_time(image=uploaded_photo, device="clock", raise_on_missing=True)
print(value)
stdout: 4:26
